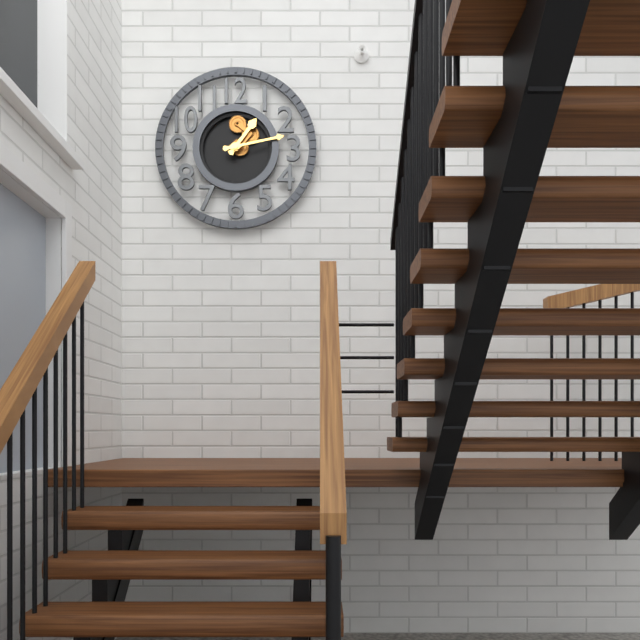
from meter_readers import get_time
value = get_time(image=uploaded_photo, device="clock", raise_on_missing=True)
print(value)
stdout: 1:13
